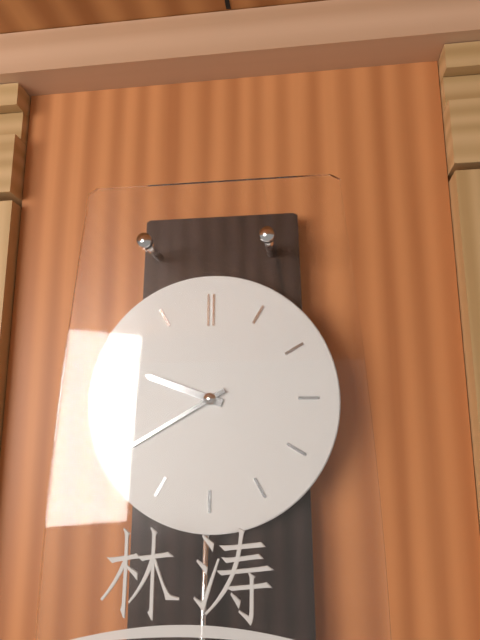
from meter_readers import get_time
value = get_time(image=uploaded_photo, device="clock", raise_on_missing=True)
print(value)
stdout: 9:40
